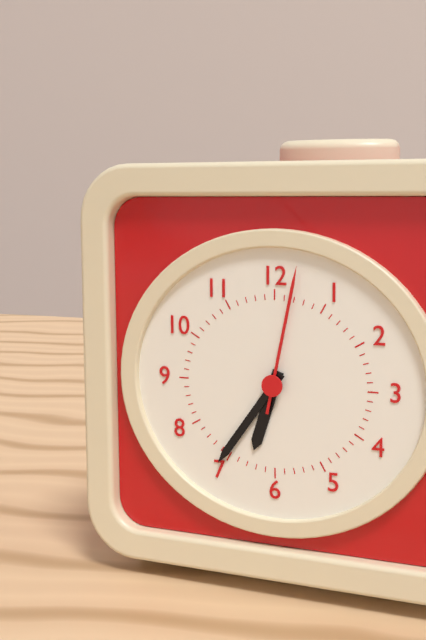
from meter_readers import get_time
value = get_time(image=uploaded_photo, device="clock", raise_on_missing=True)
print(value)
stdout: 6:36:02
